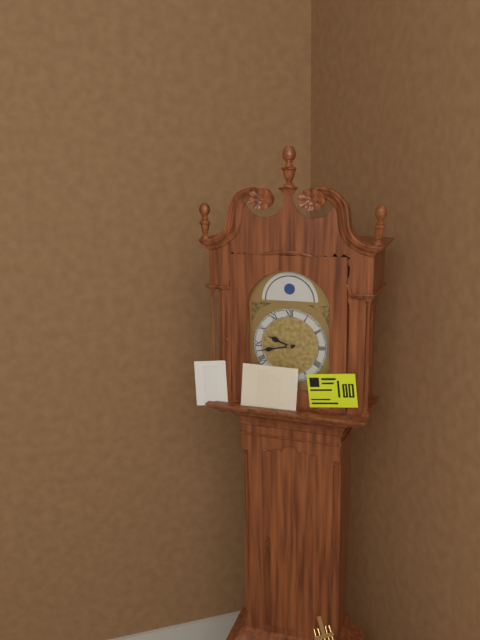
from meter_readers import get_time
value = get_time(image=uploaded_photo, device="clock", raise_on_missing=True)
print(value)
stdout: 9:43
